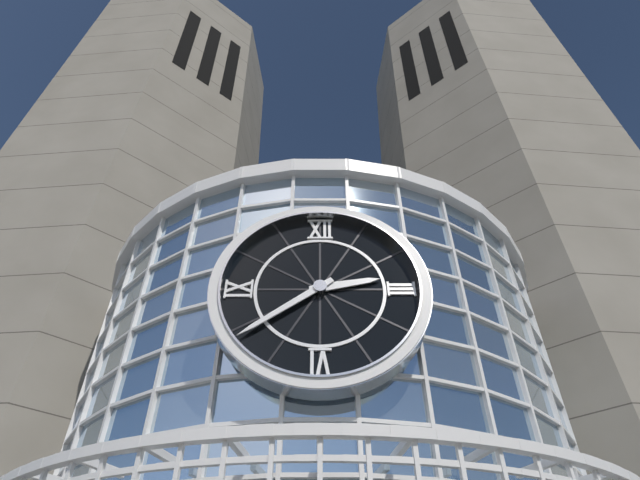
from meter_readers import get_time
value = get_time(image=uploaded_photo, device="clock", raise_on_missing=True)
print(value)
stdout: 2:39
